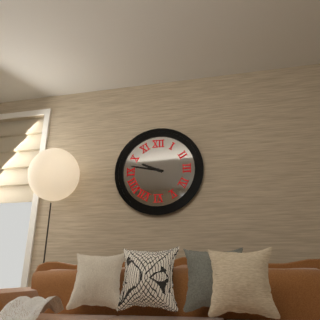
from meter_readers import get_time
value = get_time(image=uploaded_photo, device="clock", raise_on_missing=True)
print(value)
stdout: 9:47
